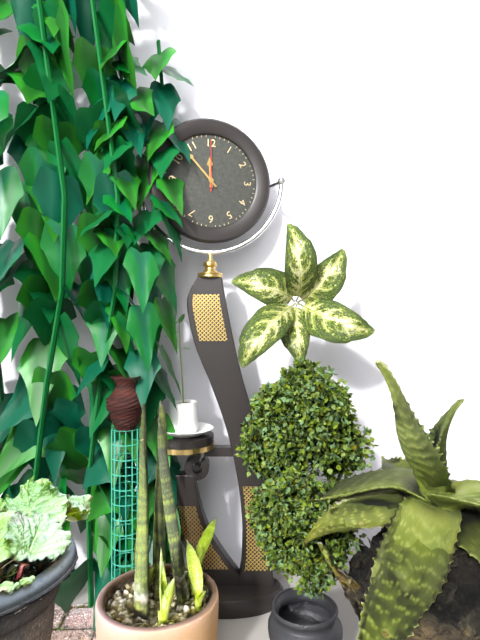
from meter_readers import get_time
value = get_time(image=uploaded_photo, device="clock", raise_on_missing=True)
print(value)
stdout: 11:53:00
